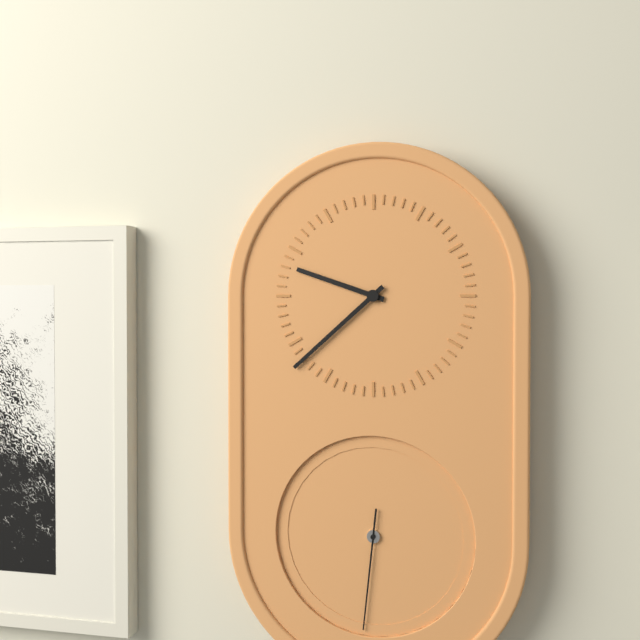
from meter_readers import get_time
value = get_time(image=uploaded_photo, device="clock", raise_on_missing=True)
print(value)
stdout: 9:38:31
